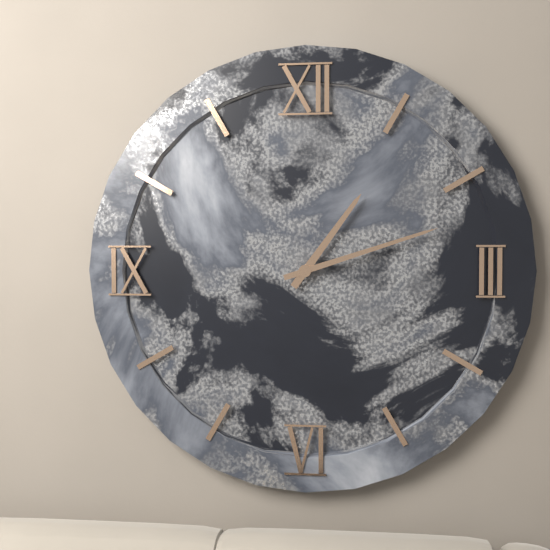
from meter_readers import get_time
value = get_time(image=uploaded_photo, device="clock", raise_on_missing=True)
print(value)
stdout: 1:12
